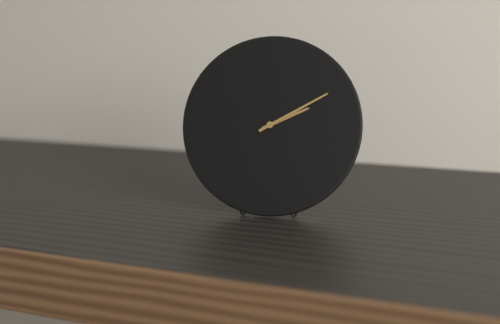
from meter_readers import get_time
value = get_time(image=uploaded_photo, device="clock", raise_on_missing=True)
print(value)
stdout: 2:10
